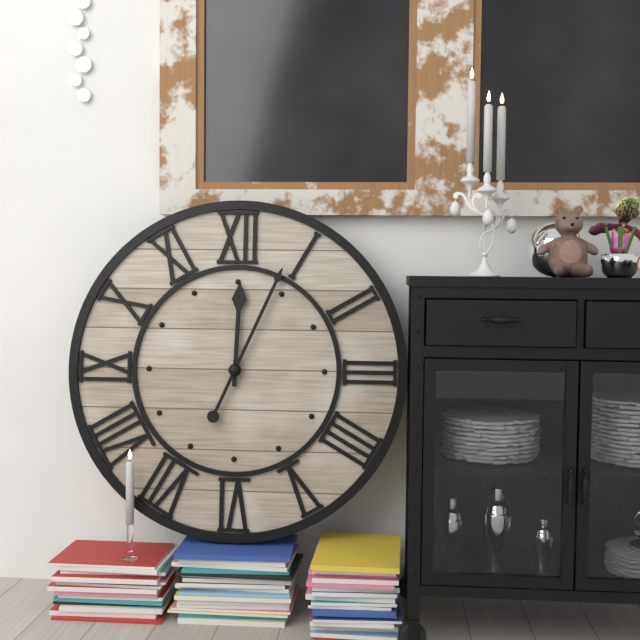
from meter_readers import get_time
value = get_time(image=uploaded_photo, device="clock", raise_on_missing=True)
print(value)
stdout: 12:04
